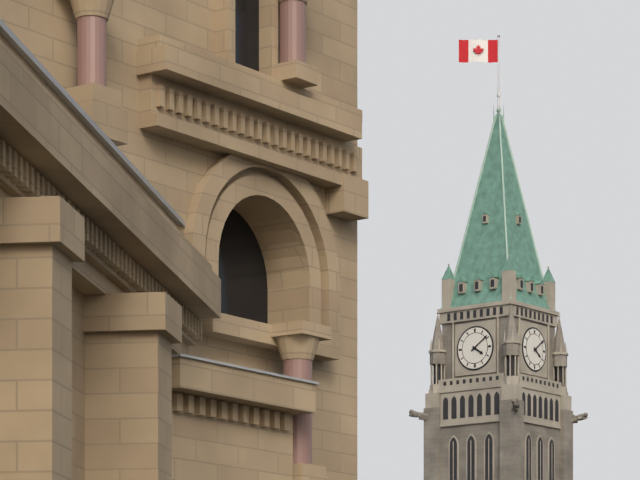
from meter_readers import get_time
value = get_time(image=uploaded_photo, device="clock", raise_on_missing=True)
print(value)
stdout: 4:09
